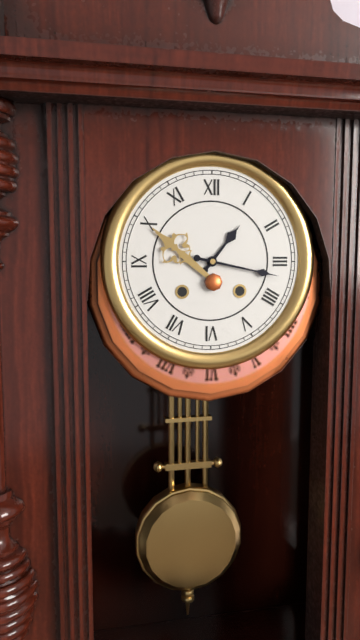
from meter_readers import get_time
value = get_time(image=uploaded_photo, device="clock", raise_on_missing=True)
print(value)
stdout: 1:17
